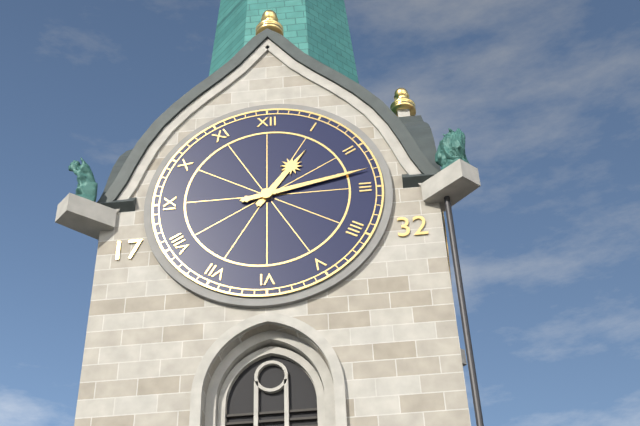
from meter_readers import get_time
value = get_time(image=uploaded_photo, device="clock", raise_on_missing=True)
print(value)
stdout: 1:13
